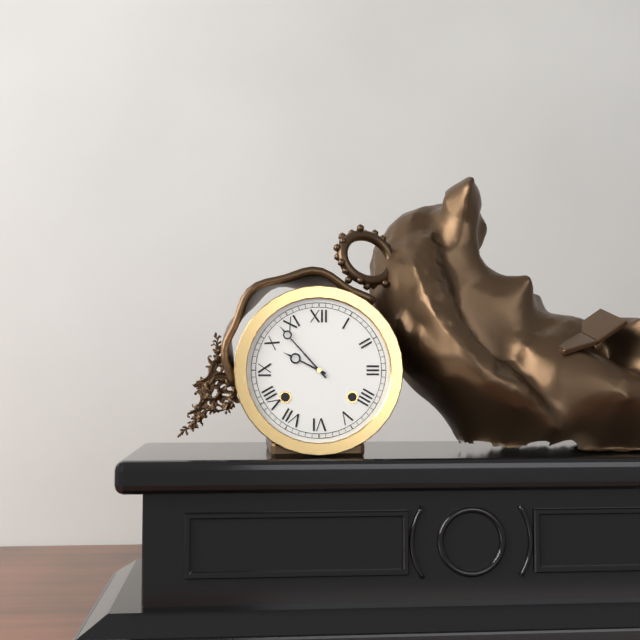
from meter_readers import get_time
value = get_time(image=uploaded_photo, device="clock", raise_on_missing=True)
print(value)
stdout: 9:53
